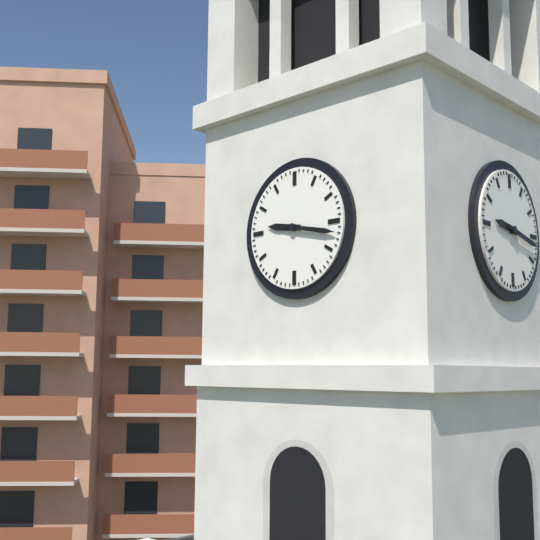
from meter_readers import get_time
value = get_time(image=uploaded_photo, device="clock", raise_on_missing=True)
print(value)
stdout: 9:17
